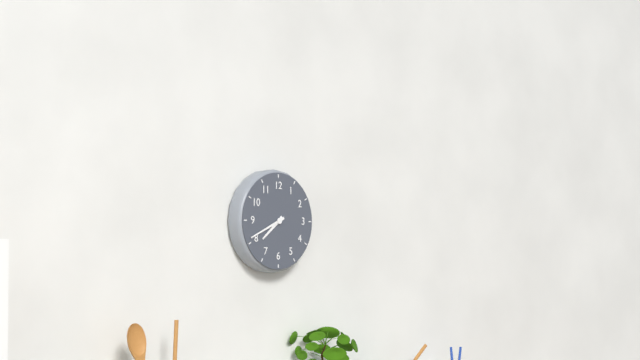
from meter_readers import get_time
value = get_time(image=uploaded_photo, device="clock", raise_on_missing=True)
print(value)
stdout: 7:41
